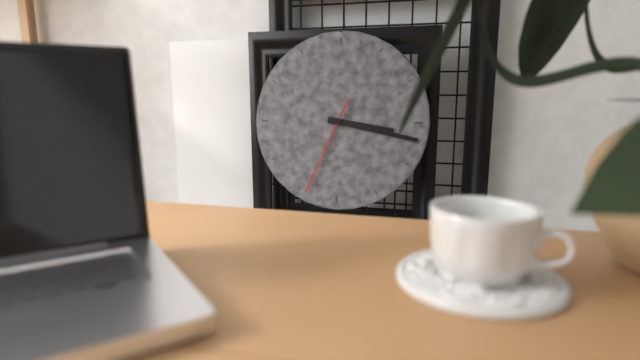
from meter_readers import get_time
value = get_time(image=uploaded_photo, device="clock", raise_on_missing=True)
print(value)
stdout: 3:17:34
